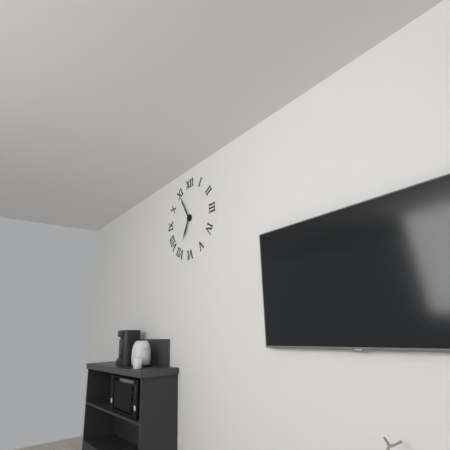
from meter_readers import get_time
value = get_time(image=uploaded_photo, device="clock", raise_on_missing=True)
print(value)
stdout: 6:55
